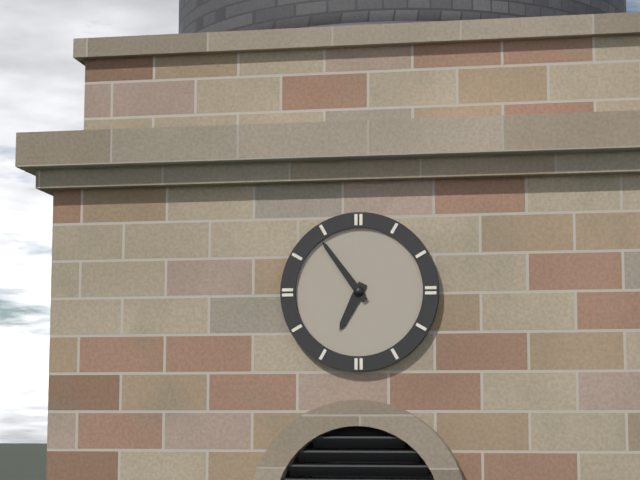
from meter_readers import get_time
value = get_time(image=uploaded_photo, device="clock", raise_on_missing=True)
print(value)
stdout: 6:54
